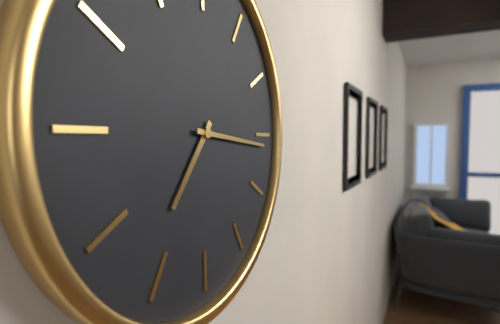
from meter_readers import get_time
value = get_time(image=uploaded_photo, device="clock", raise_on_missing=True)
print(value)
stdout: 7:16
